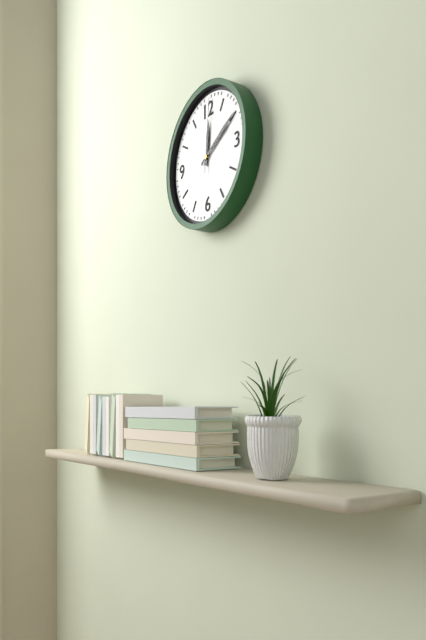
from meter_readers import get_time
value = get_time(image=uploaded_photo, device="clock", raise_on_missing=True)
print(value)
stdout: 12:10:01
